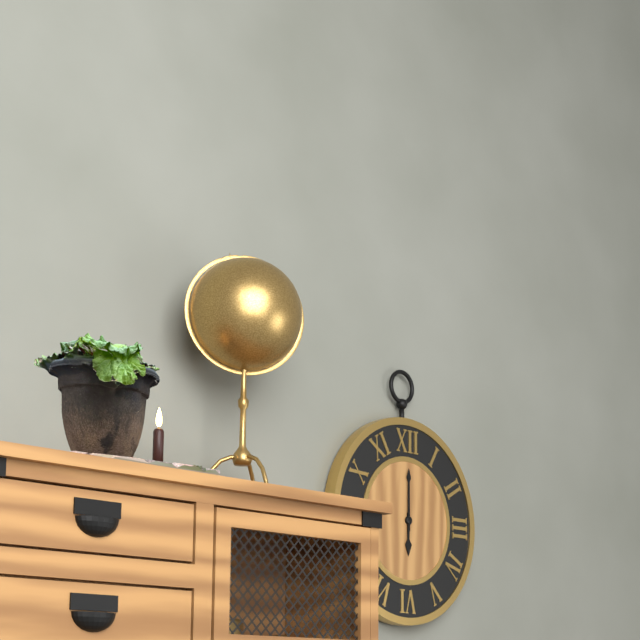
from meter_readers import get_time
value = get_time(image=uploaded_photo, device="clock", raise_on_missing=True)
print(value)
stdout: 6:00
